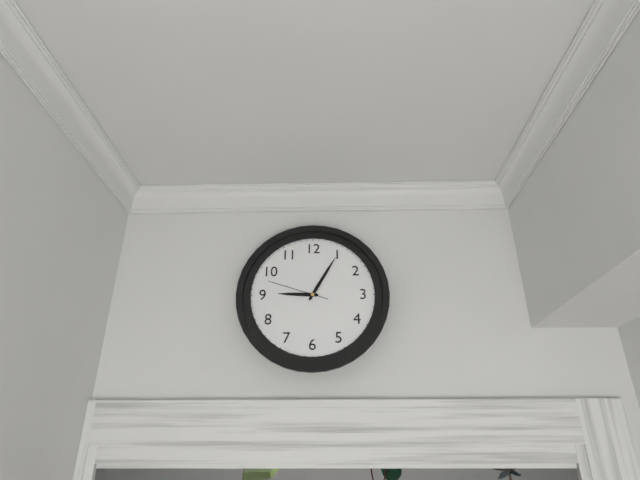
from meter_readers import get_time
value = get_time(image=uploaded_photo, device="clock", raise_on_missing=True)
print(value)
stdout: 9:05:48
